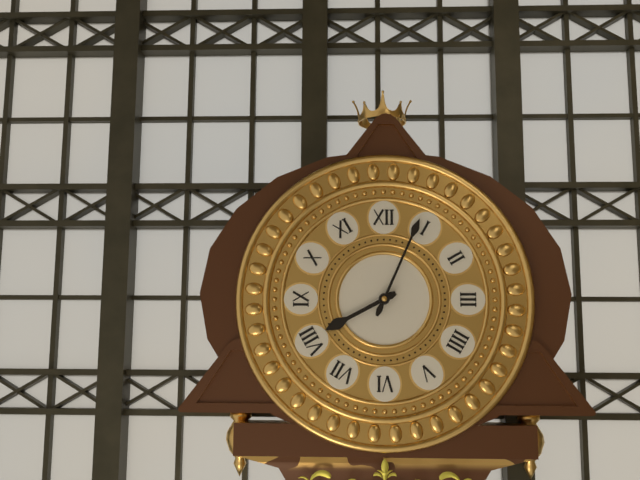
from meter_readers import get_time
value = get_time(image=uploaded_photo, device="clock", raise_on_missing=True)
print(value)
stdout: 8:04
